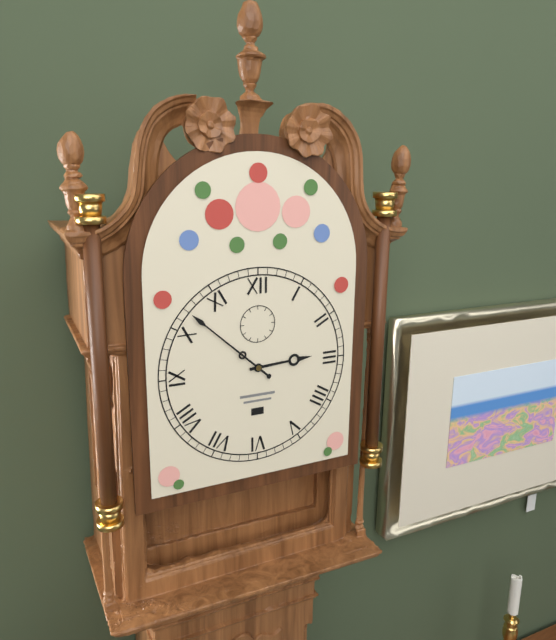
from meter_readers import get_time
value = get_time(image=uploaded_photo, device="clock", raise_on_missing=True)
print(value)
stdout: 2:52
